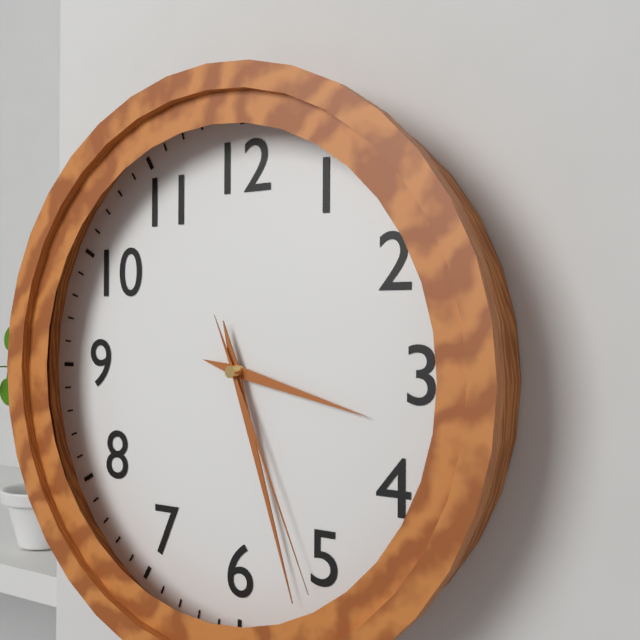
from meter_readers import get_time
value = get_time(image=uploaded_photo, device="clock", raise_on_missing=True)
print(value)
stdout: 3:27:26
